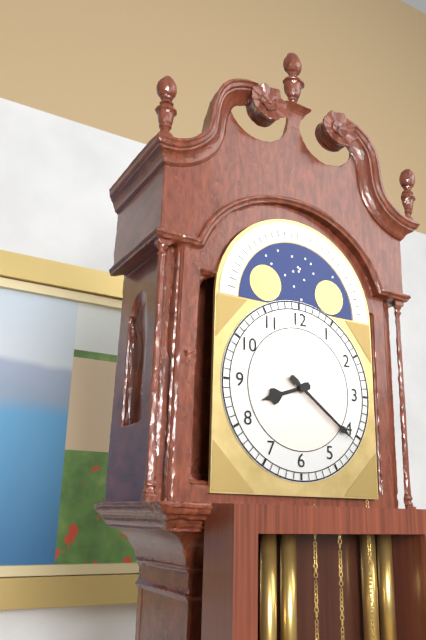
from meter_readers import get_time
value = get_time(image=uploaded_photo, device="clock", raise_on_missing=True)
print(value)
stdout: 8:21
